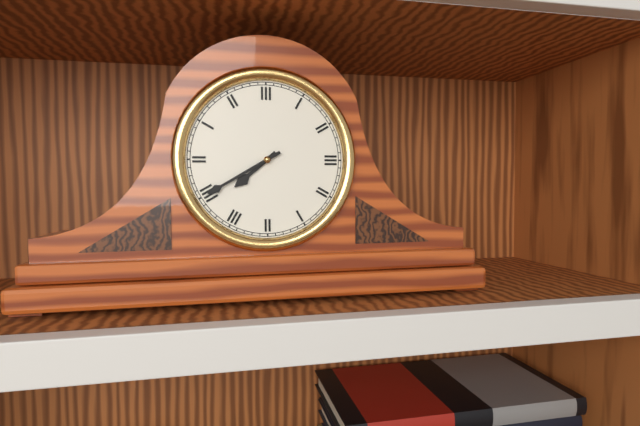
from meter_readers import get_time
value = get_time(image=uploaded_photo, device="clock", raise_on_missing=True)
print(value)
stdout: 7:40
